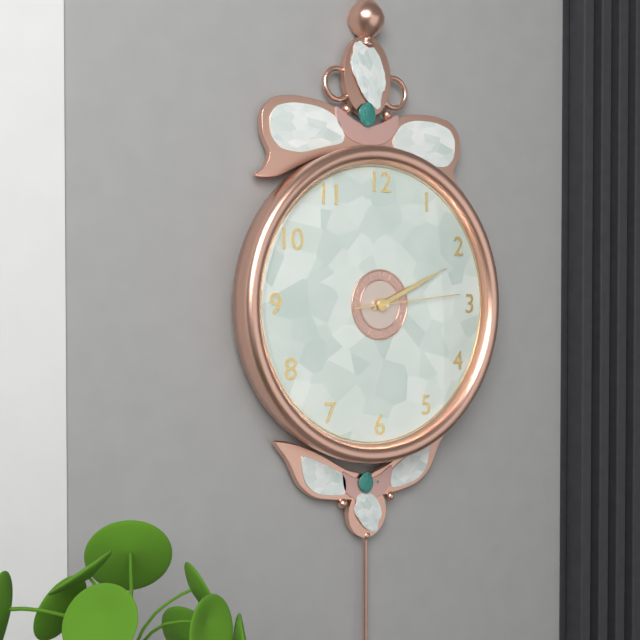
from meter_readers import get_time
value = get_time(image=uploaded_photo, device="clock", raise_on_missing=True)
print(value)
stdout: 2:11:14
